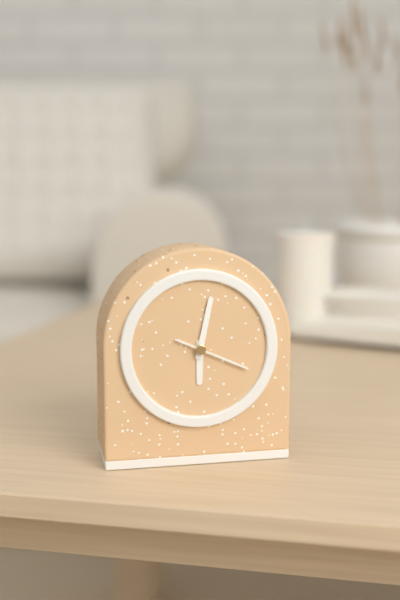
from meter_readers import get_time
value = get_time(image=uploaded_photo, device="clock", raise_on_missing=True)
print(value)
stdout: 6:02:19
